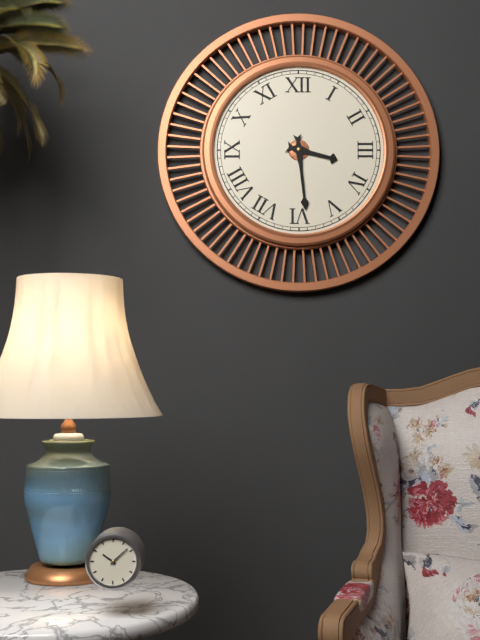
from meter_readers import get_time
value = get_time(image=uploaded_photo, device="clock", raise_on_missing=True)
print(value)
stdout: 3:29
